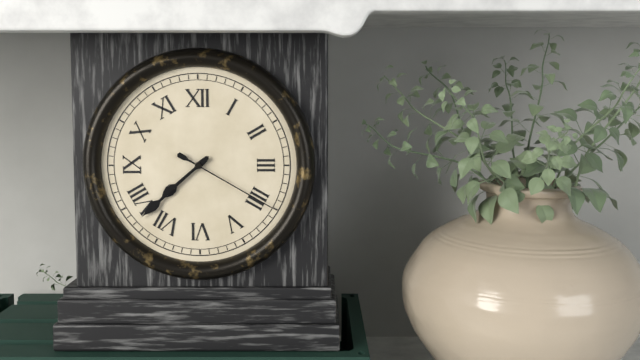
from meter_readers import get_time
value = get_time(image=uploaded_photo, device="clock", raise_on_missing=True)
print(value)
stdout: 7:38:20
